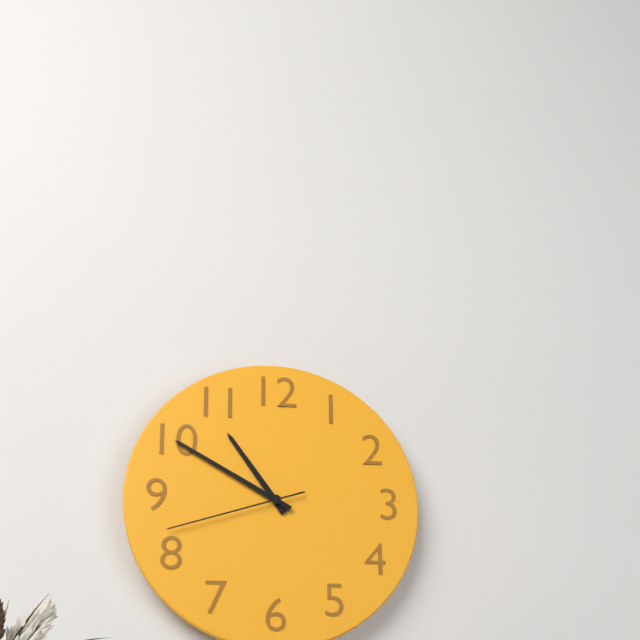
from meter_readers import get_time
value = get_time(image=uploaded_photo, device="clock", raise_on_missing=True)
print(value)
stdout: 10:50:42
